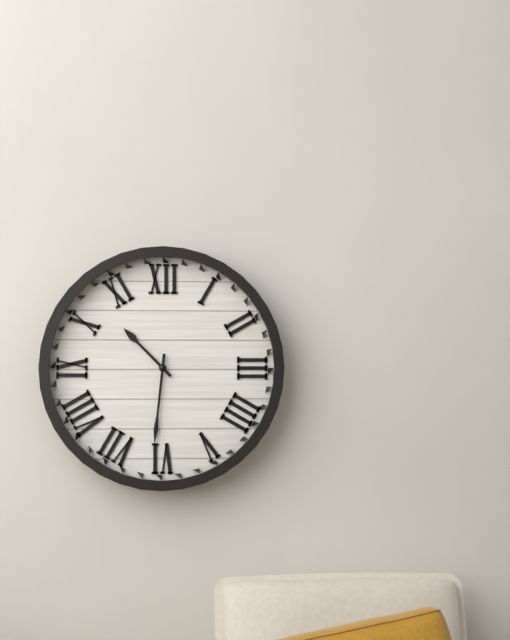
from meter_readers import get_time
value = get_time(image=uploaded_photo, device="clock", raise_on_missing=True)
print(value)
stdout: 10:31
